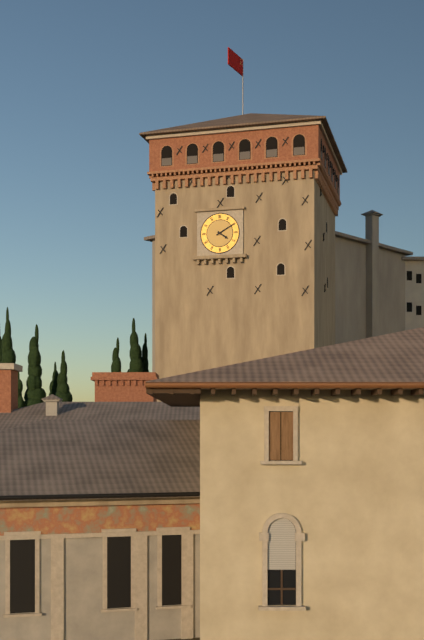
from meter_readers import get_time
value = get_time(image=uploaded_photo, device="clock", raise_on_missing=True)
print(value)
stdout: 4:10
